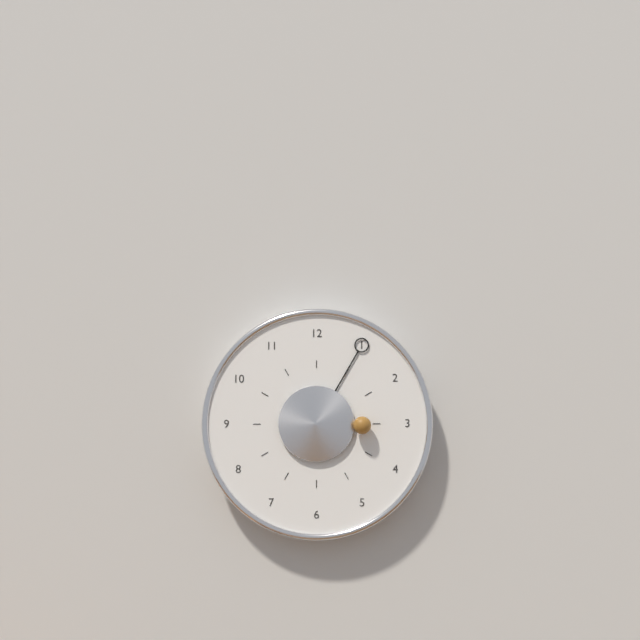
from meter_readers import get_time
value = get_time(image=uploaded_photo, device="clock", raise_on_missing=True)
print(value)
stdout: 3:05
